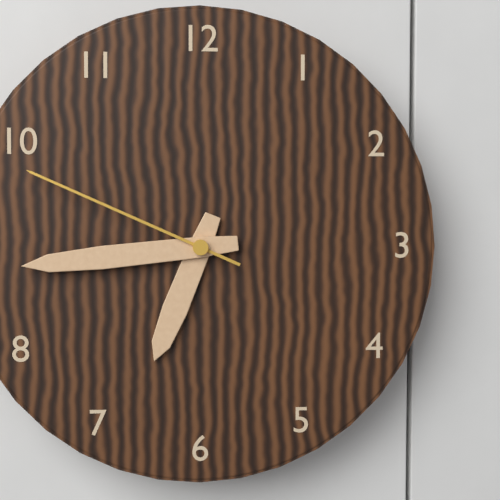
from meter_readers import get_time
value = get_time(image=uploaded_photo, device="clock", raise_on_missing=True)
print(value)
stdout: 6:44:49
